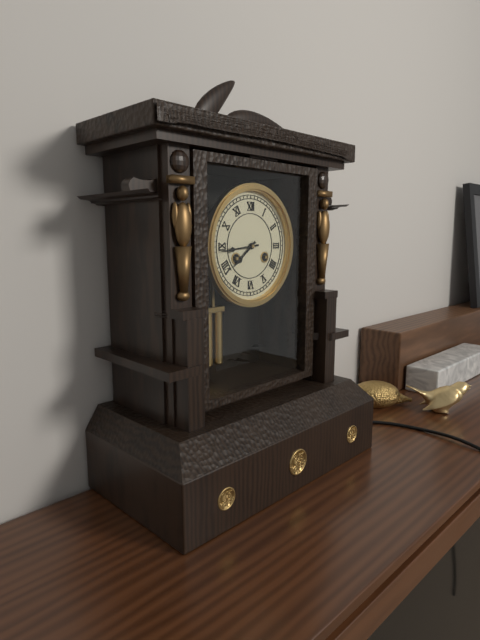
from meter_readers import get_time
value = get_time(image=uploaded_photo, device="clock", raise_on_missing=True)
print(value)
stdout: 7:44
